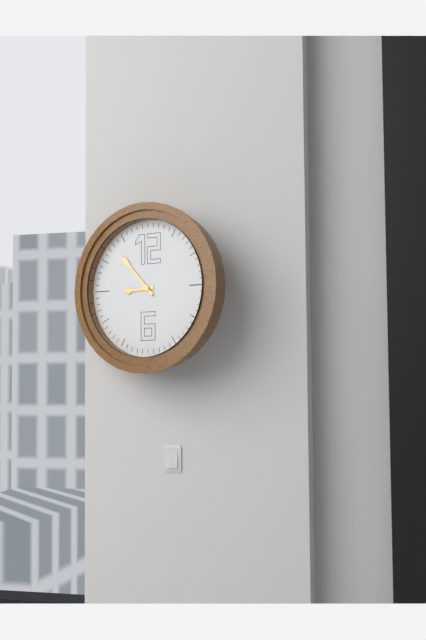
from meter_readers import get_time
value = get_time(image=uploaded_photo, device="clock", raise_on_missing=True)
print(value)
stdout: 8:53
